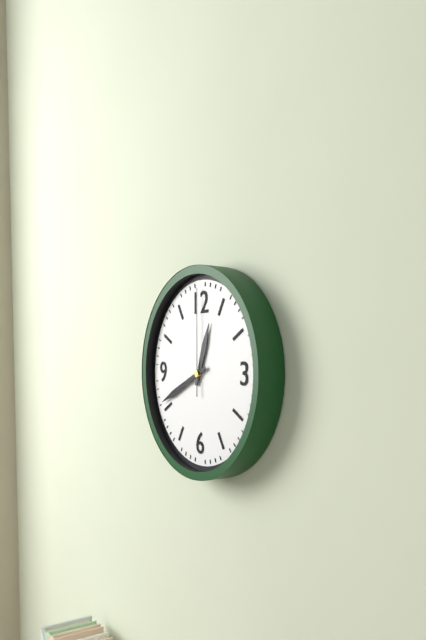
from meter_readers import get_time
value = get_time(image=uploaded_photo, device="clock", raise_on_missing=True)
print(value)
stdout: 12:41:00
